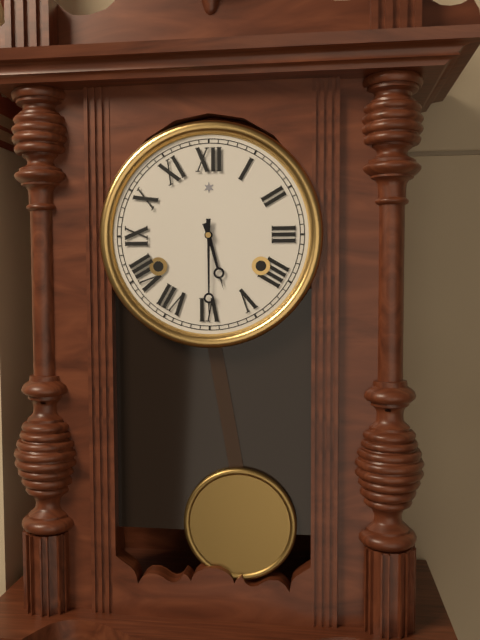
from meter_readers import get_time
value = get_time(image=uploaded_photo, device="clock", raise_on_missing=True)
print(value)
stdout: 5:30
